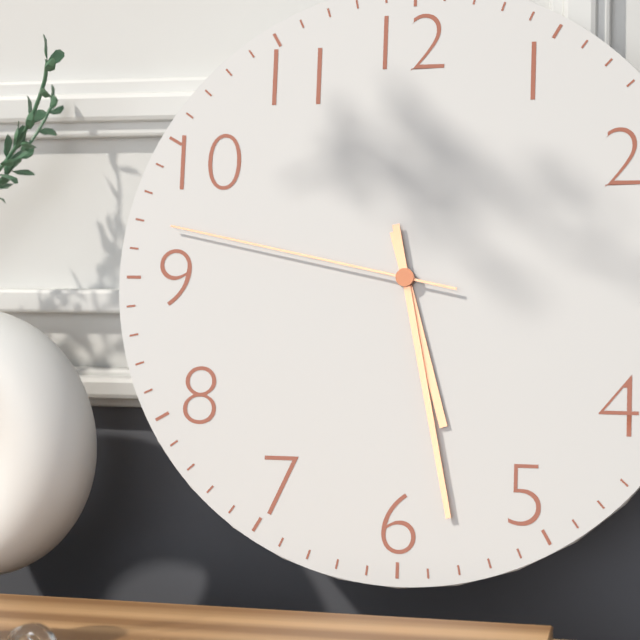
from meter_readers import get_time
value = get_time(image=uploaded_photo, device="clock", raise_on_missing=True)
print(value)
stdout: 5:28:47
